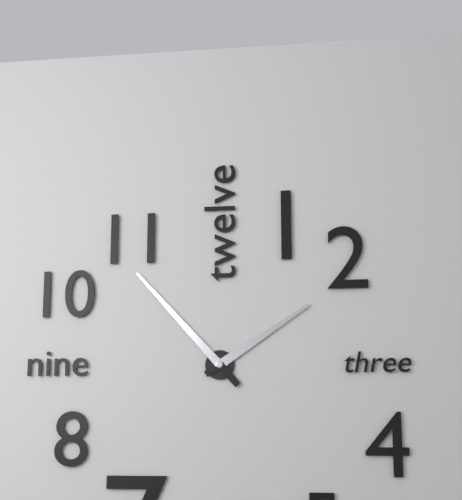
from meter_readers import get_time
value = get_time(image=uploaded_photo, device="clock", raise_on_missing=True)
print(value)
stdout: 1:53
